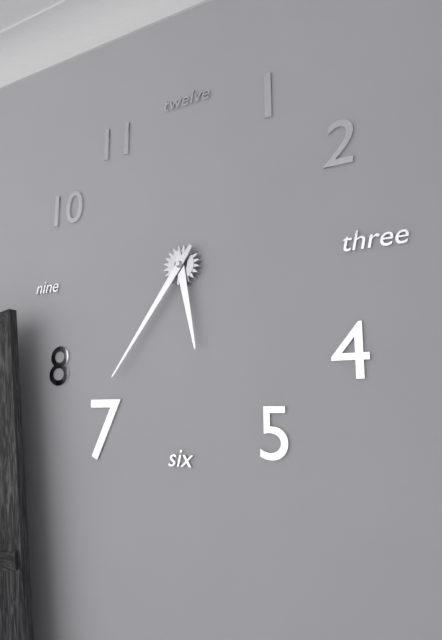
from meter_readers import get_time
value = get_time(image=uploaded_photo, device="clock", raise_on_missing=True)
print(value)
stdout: 5:36
